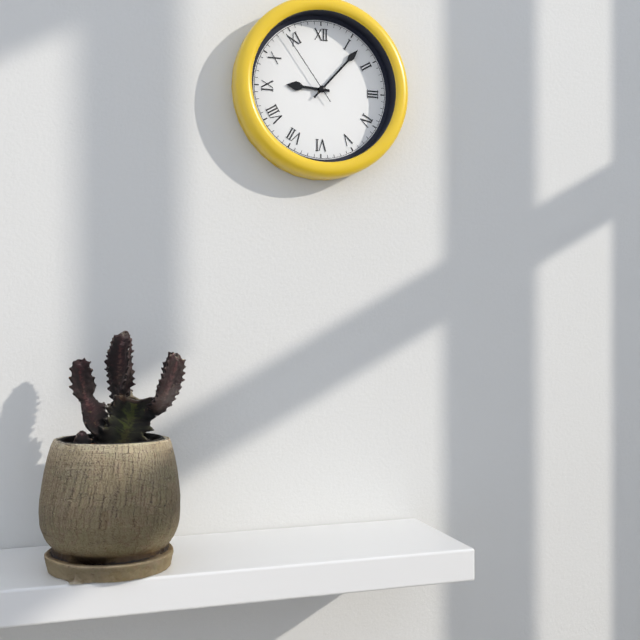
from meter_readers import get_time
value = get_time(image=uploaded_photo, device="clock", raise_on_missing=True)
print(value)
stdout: 9:07:54
